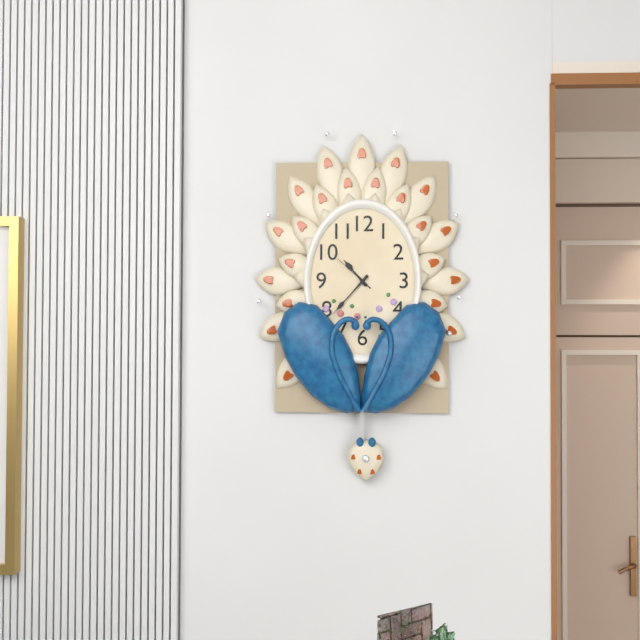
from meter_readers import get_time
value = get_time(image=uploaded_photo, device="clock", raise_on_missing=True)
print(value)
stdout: 10:37:52
